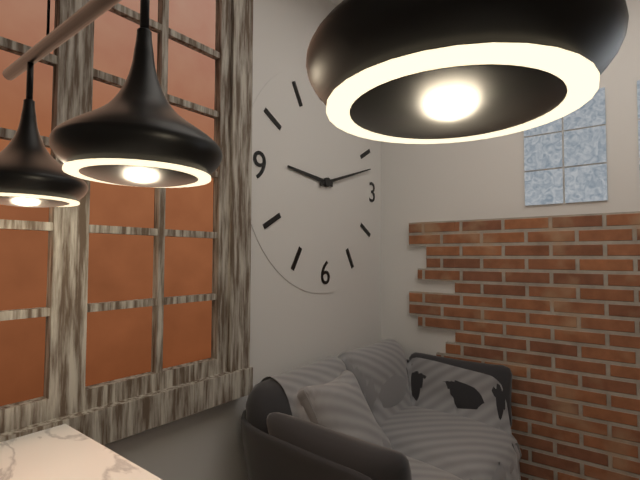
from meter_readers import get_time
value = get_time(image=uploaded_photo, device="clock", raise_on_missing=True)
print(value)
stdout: 9:12
